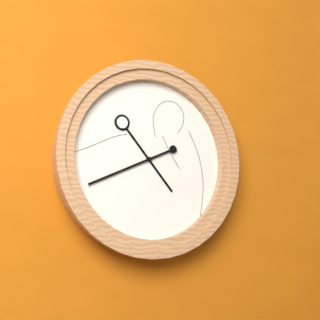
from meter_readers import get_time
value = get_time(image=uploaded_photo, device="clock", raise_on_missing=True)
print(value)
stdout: 4:41
